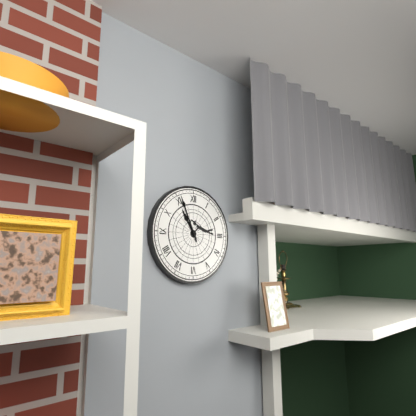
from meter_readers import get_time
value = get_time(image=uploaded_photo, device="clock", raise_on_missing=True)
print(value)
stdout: 10:56
